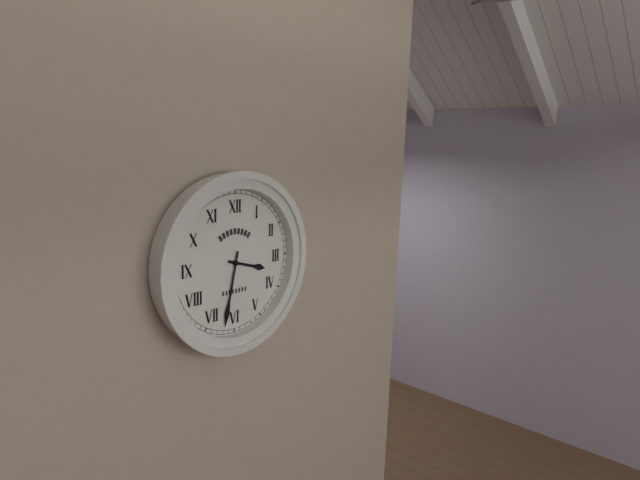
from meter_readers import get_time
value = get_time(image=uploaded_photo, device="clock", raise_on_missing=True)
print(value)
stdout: 3:32
